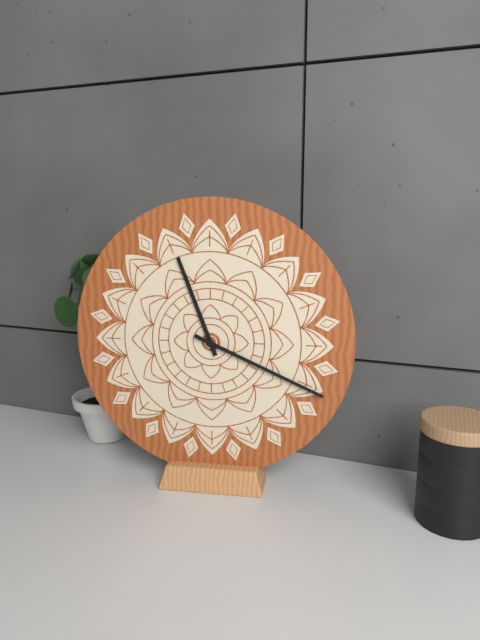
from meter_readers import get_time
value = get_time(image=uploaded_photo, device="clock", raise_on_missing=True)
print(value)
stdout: 11:19
